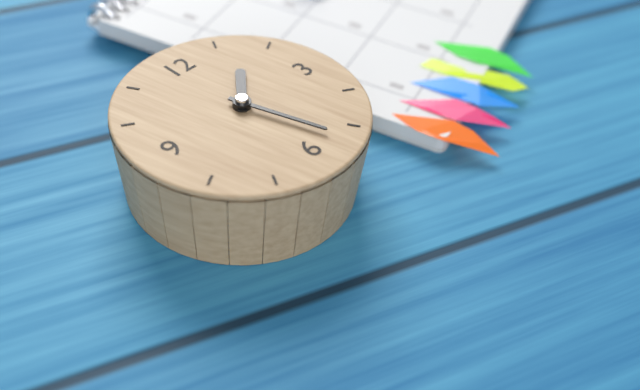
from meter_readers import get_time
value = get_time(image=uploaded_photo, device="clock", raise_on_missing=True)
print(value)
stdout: 1:27
